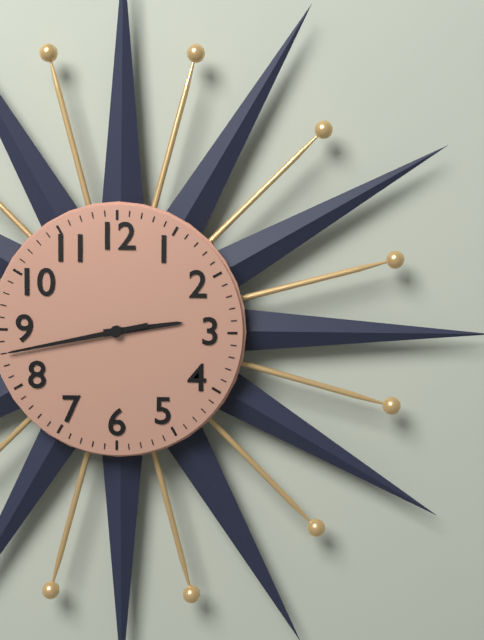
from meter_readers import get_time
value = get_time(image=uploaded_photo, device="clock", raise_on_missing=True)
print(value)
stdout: 2:43
